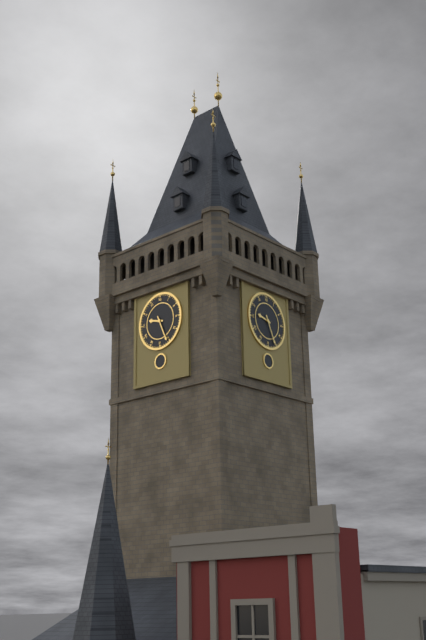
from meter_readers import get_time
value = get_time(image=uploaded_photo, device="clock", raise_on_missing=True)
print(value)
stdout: 9:26
